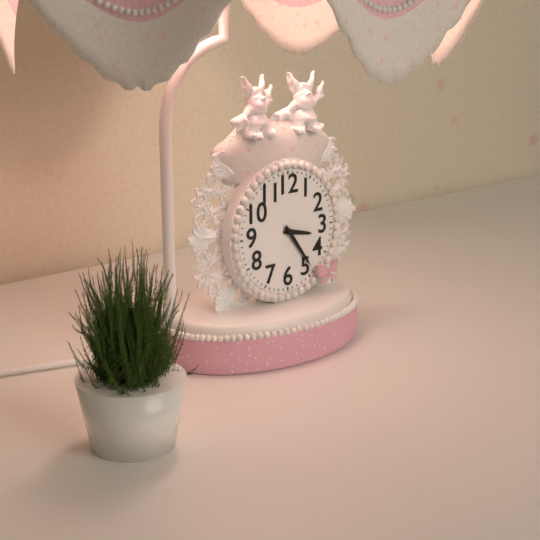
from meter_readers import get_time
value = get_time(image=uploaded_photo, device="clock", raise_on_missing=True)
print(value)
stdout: 3:24
